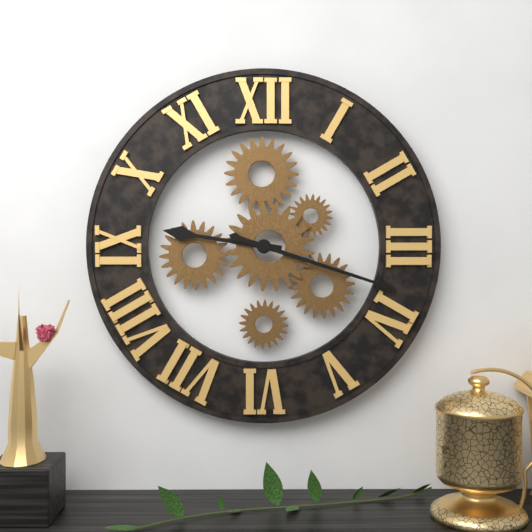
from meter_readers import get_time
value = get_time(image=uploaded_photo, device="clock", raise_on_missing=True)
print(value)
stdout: 9:18
